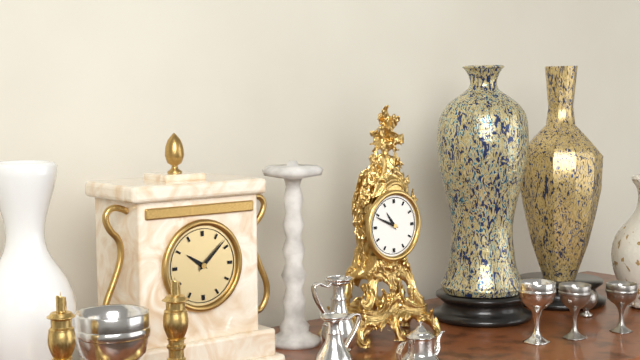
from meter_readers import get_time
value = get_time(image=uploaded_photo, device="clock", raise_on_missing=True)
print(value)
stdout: 10:49
